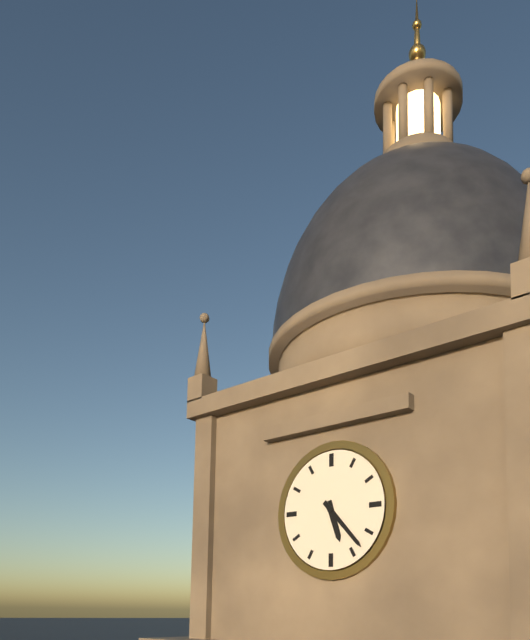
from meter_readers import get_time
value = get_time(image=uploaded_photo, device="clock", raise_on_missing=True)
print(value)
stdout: 5:23
